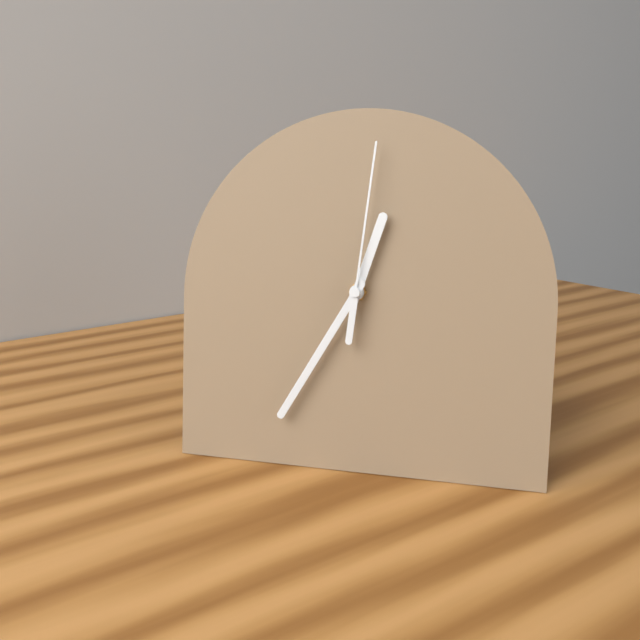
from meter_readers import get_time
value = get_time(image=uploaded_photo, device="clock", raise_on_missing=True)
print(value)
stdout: 12:35:01
